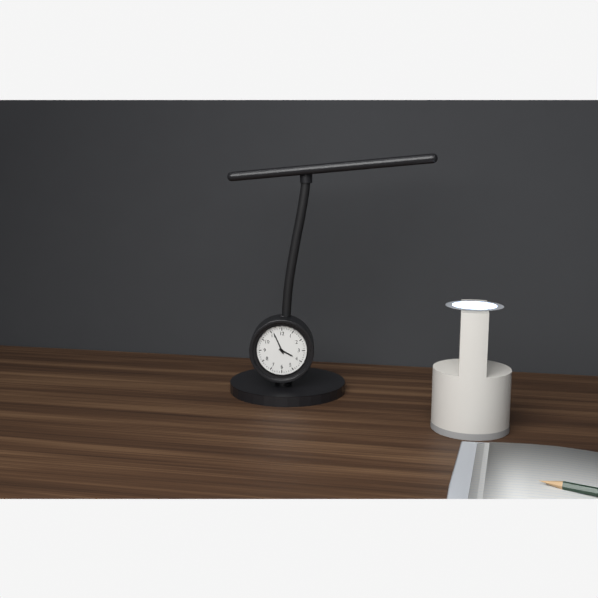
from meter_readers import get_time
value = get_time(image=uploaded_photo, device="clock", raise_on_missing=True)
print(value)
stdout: 3:56
